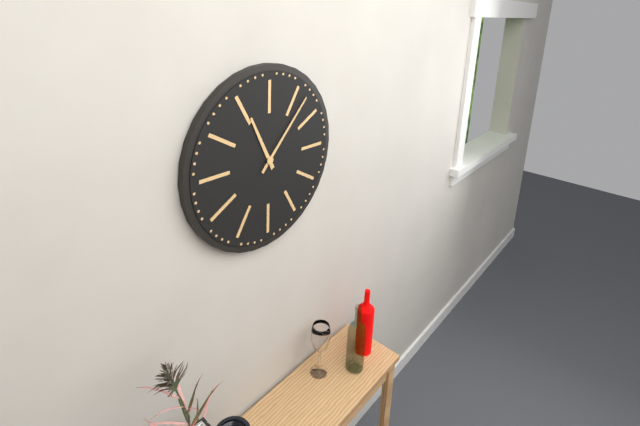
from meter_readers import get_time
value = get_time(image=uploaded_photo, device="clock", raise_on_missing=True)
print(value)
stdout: 11:07
